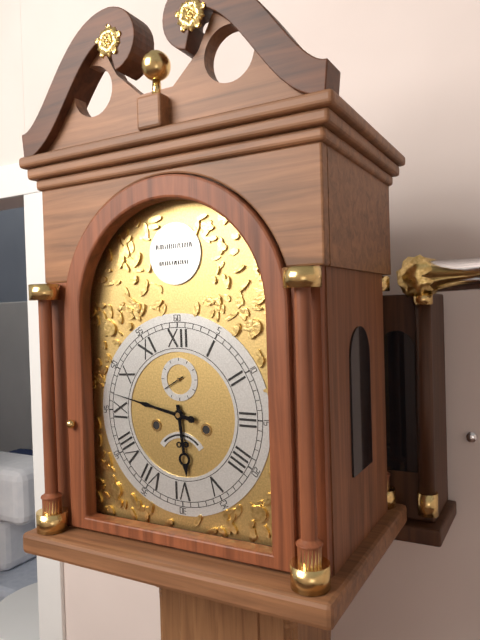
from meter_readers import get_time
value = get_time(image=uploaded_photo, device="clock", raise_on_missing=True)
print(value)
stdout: 5:47
